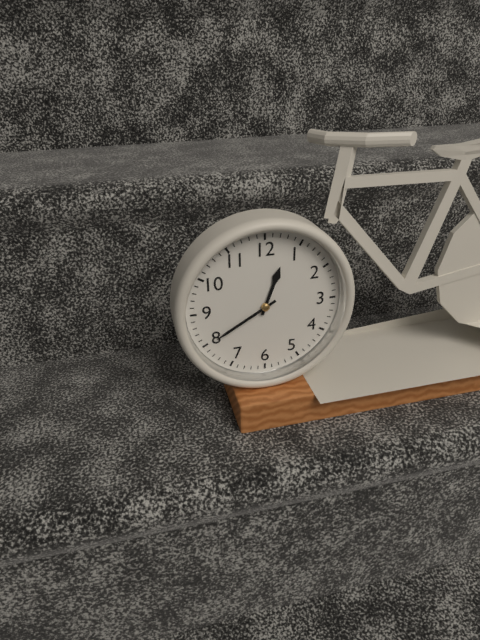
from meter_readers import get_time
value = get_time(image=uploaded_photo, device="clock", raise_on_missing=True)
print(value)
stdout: 12:40
